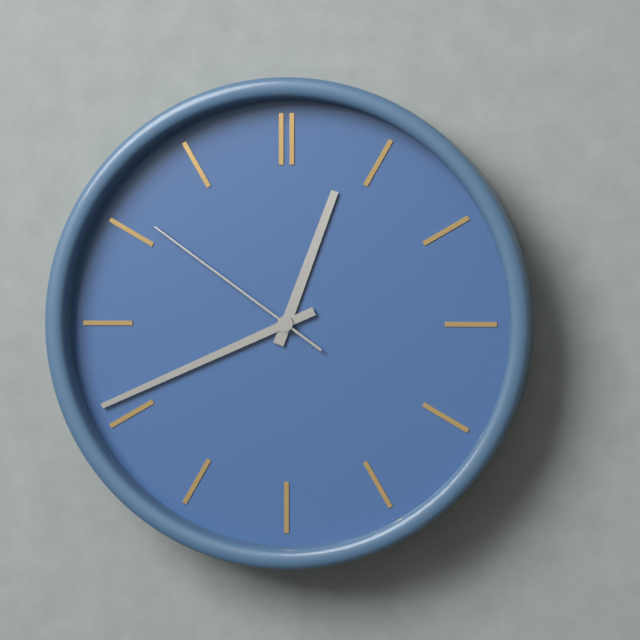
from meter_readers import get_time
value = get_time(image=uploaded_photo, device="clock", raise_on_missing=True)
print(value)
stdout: 12:41:51
